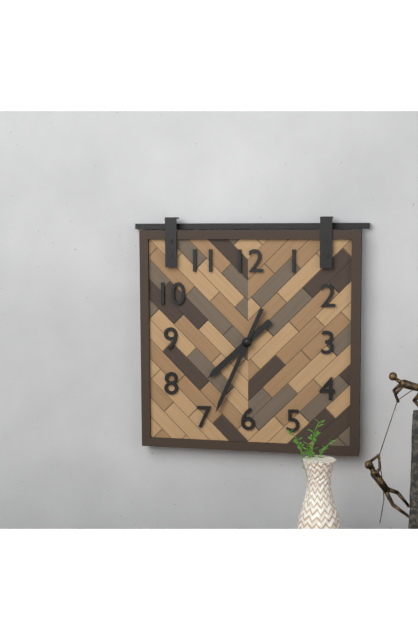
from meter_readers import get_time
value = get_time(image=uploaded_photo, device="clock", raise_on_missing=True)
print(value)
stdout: 7:34
